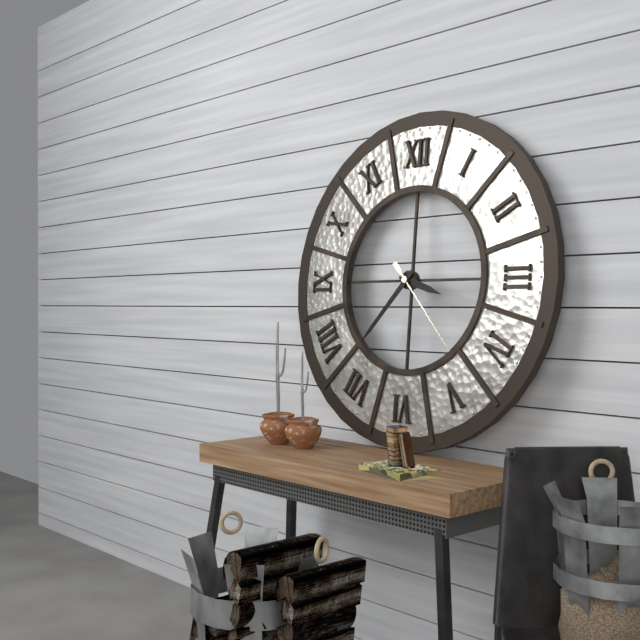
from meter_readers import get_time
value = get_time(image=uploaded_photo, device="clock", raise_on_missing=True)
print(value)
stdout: 3:37:23
